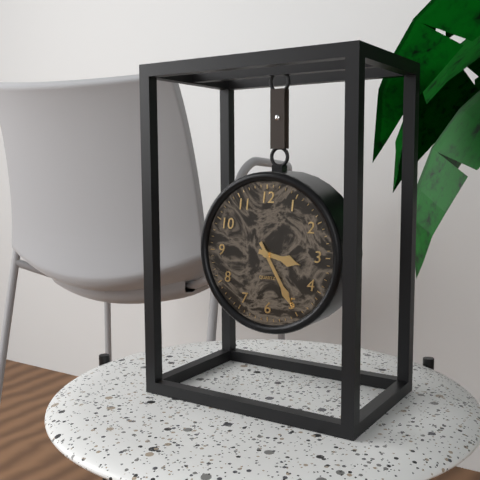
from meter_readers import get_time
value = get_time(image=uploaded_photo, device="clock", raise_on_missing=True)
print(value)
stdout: 3:25
